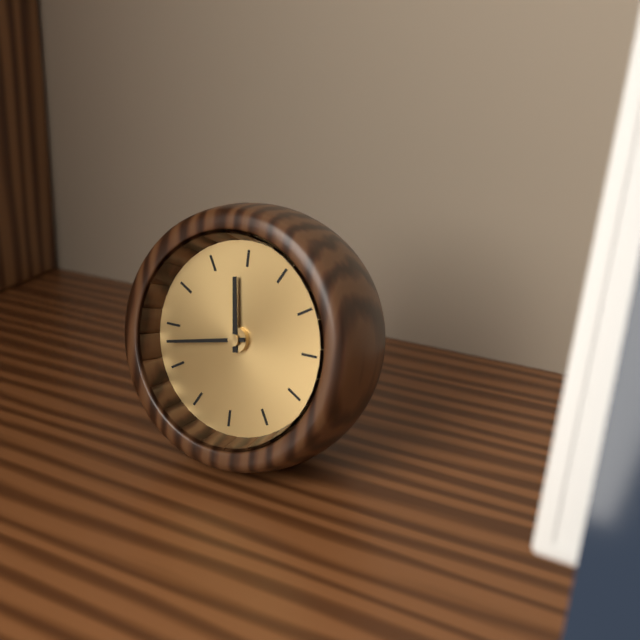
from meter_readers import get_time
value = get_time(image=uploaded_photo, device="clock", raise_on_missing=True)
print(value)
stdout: 11:43
